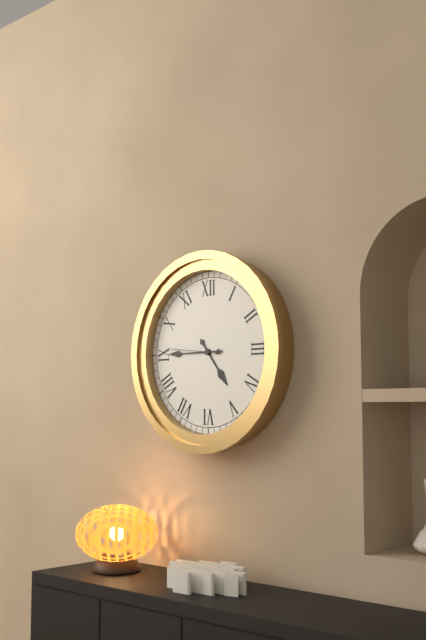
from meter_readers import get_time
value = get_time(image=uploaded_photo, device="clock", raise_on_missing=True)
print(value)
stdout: 4:45:46
